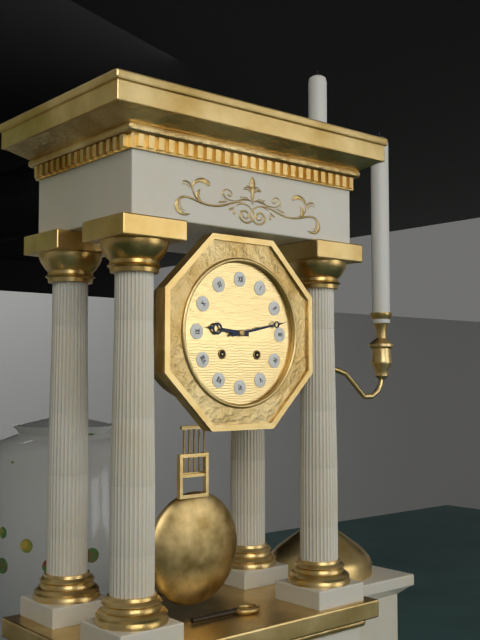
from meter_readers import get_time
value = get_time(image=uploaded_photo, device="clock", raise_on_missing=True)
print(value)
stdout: 9:13
